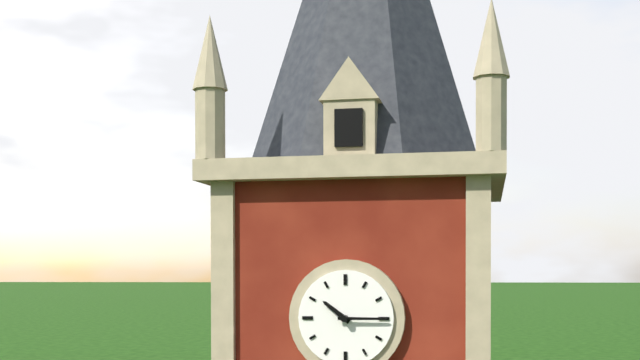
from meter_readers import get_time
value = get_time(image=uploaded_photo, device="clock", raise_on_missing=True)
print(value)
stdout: 10:15
